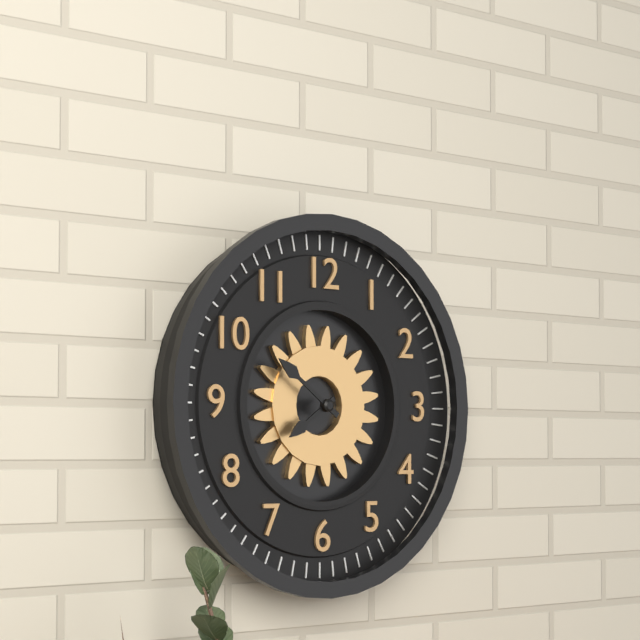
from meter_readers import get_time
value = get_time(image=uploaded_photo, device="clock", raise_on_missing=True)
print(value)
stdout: 7:51
